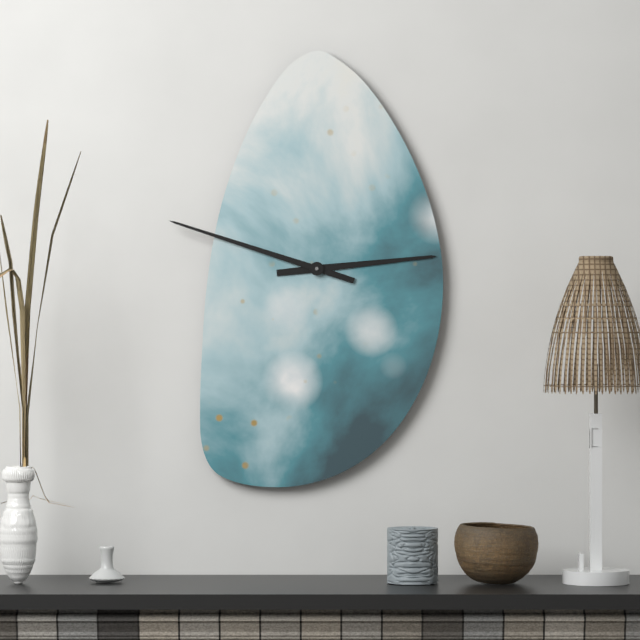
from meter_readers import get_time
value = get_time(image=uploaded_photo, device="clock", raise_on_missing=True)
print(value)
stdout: 2:48
